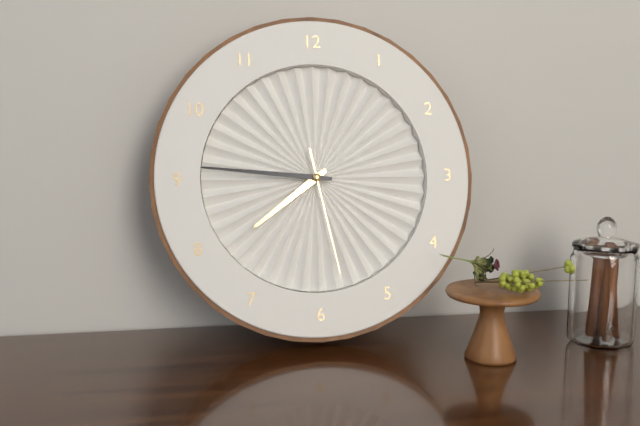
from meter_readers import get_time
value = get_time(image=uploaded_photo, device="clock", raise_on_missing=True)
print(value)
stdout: 7:46:28
